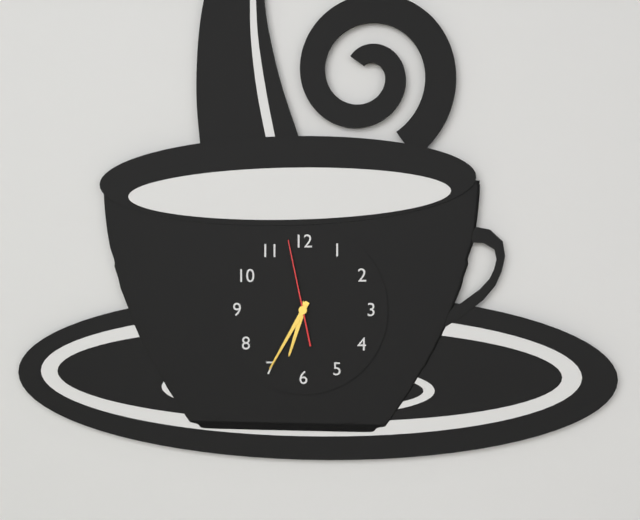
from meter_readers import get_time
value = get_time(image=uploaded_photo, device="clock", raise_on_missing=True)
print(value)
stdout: 6:35:58
